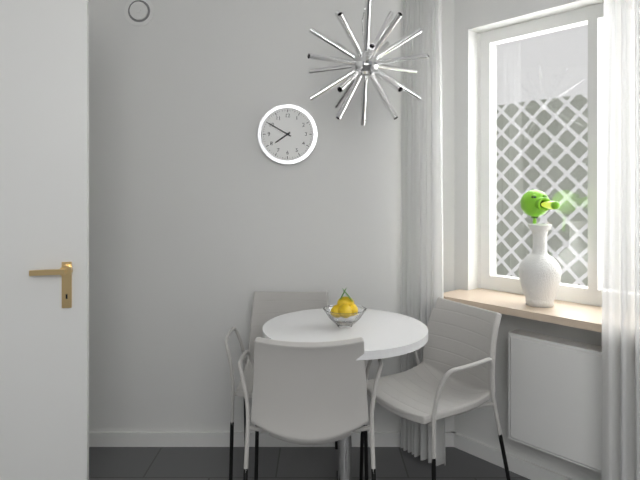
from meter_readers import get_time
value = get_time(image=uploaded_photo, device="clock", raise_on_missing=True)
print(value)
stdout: 7:50
